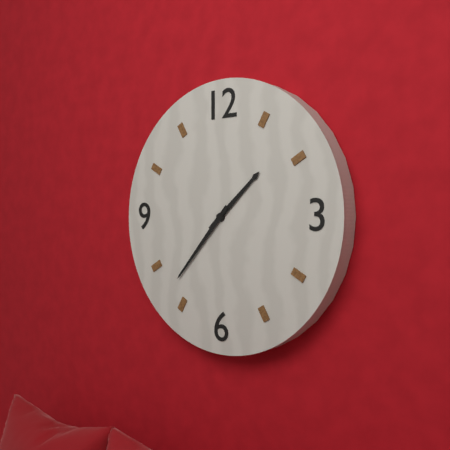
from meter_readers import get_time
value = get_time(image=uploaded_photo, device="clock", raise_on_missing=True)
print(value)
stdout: 1:37
